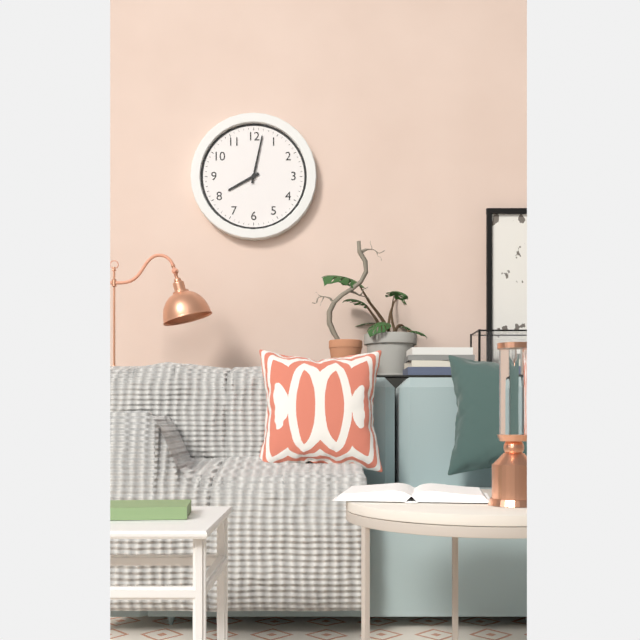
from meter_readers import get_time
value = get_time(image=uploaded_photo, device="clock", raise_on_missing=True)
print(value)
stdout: 8:02
